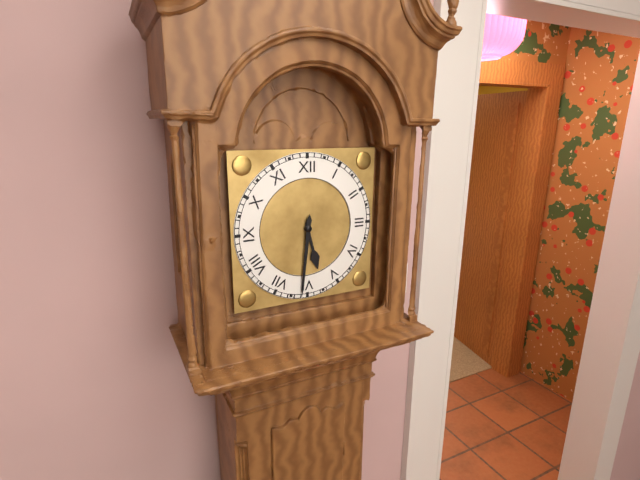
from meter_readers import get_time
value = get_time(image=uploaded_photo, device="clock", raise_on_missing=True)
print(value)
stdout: 5:31
